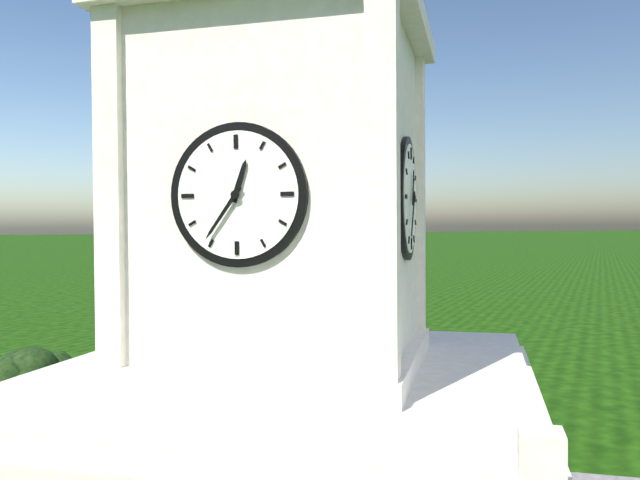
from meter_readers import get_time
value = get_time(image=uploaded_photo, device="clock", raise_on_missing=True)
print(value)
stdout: 12:36
